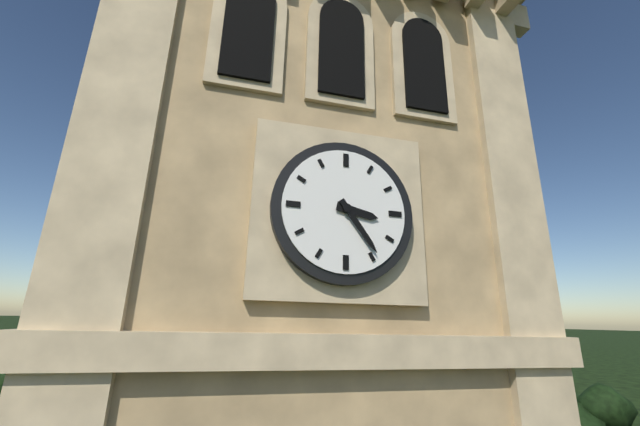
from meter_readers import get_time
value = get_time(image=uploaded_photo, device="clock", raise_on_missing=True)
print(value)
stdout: 3:24
